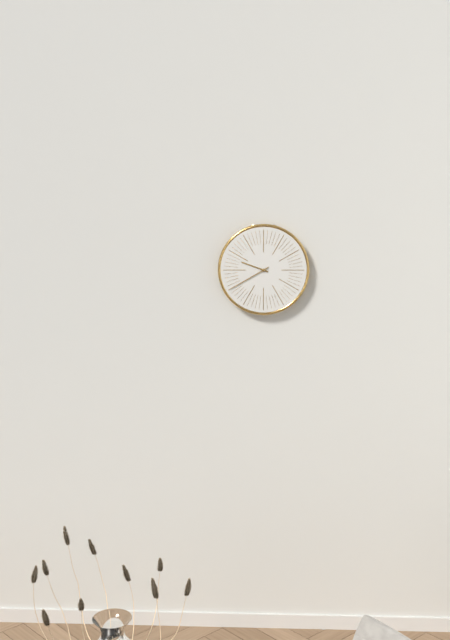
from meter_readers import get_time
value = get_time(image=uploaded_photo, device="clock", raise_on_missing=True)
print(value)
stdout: 9:40
